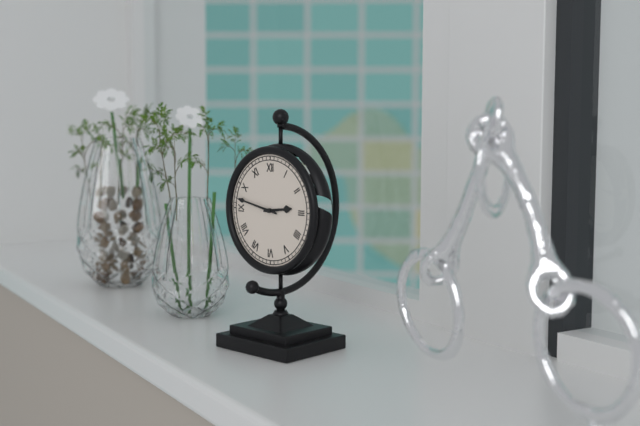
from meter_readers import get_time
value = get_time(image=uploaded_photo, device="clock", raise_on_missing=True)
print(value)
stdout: 2:47
